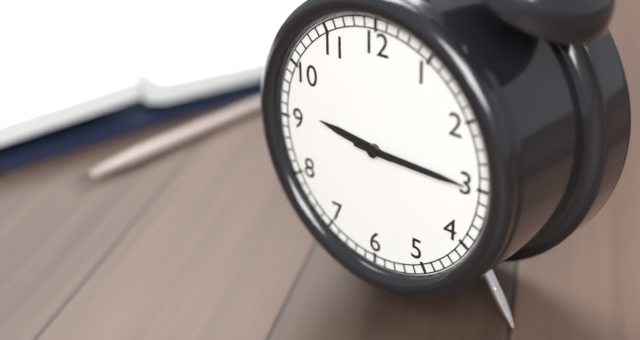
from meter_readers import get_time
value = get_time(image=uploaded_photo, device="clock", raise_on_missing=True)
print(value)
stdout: 9:15
